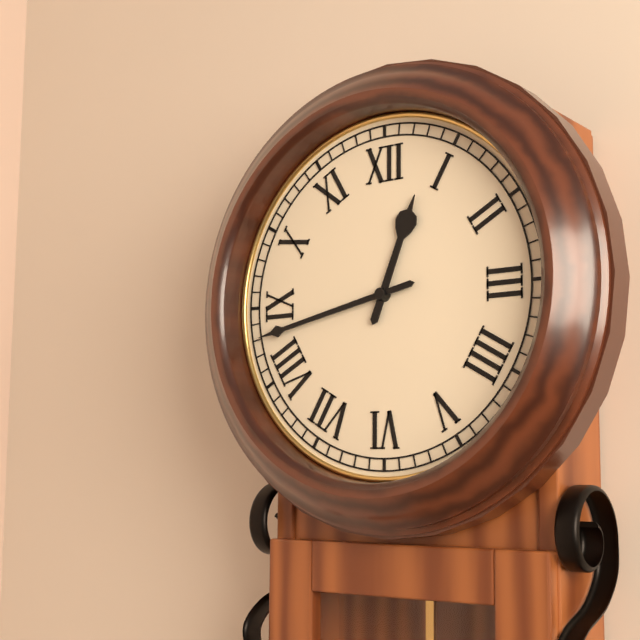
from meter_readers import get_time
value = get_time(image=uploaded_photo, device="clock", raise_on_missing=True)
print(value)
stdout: 12:43
